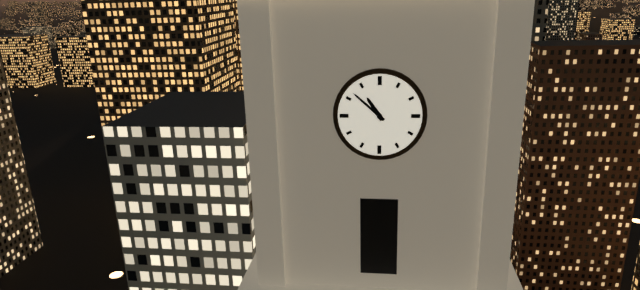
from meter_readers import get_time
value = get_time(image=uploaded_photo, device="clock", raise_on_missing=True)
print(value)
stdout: 10:52
